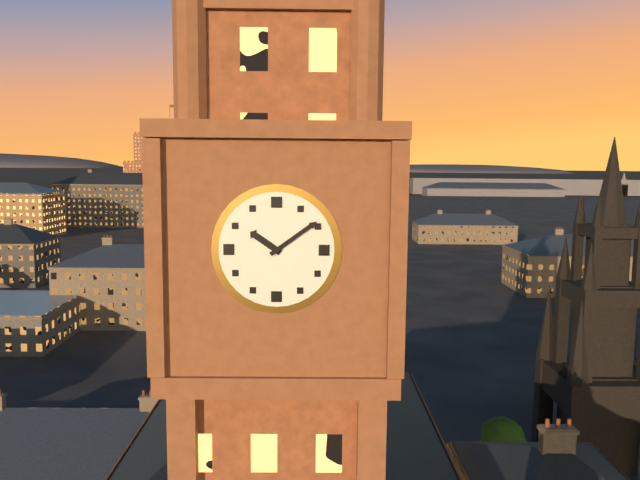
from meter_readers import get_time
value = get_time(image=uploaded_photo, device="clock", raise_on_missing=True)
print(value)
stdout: 10:09
